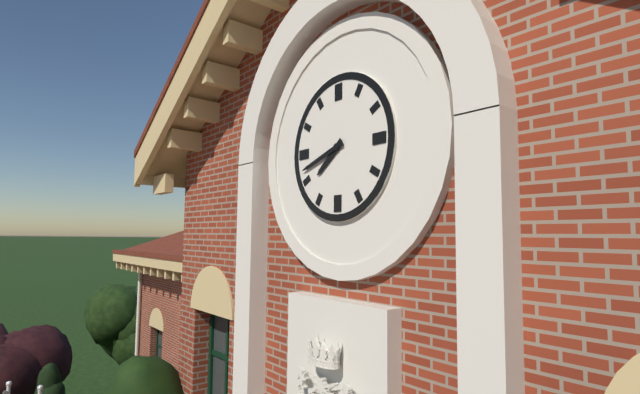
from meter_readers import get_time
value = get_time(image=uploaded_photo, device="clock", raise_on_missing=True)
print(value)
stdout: 7:42
